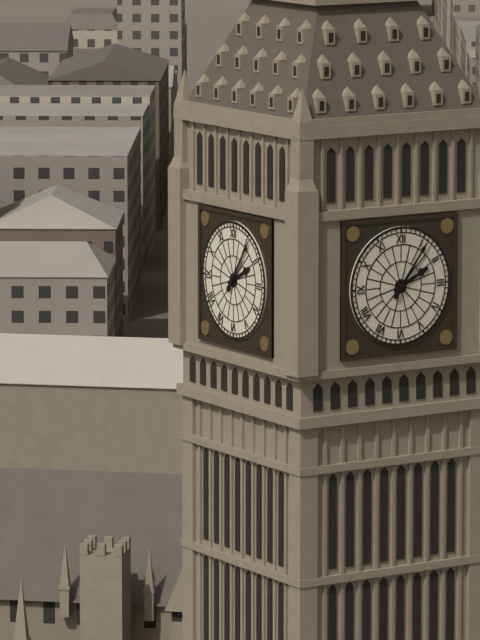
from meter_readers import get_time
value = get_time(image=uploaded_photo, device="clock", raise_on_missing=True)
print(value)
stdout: 2:06
